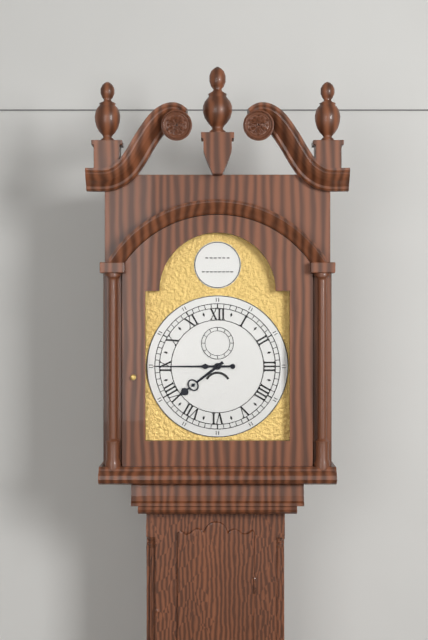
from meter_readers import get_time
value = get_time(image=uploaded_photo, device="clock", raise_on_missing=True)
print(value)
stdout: 7:45
